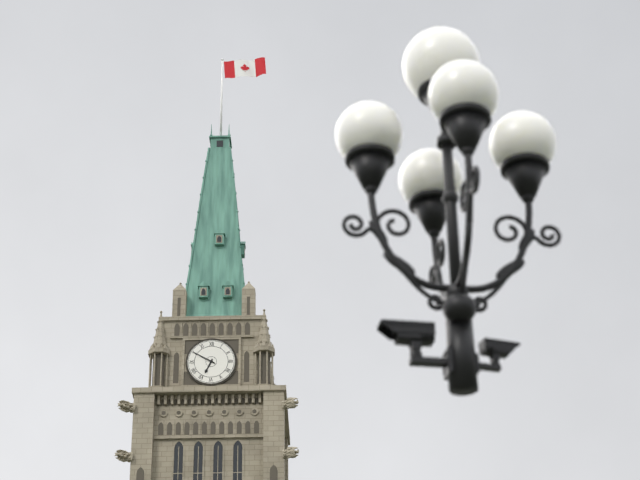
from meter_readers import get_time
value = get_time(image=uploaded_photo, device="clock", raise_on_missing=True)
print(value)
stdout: 6:50
